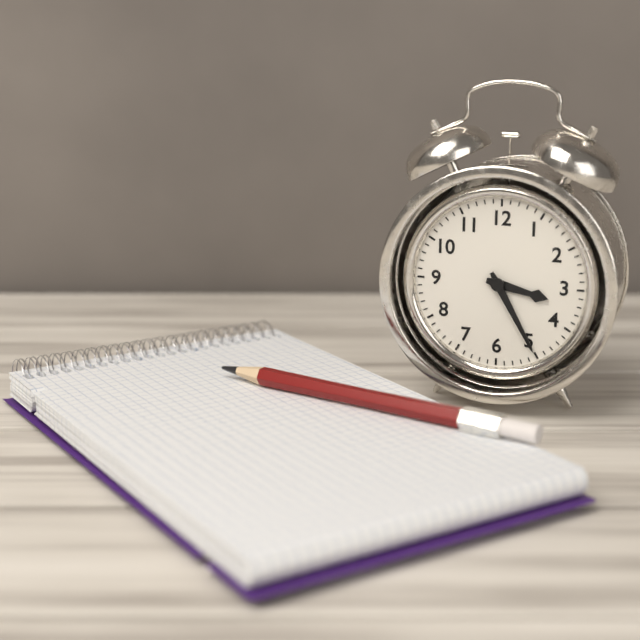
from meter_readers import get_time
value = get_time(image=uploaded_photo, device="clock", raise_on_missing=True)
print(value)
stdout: 3:25
